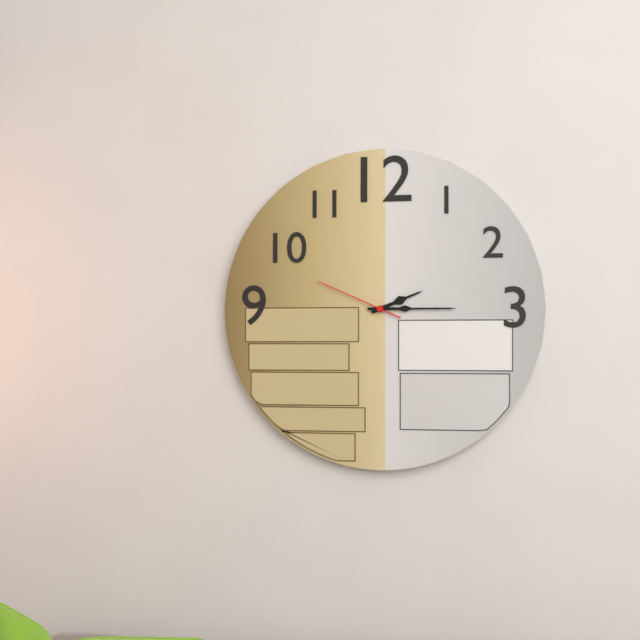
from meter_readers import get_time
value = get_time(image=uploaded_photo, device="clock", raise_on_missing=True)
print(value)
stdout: 2:15:49
